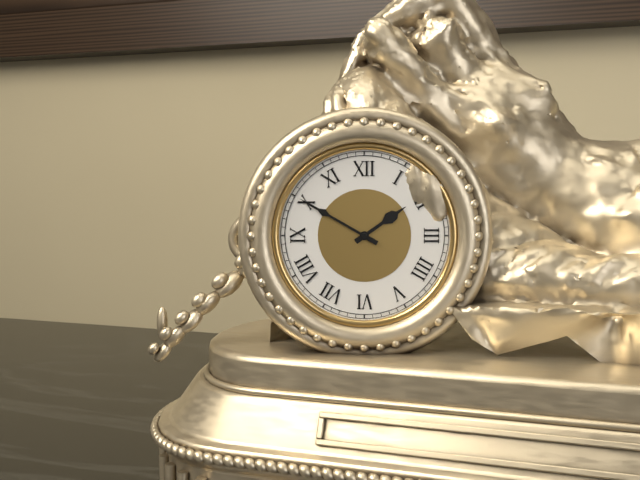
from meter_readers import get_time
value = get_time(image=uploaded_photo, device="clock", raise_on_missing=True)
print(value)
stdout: 1:50
